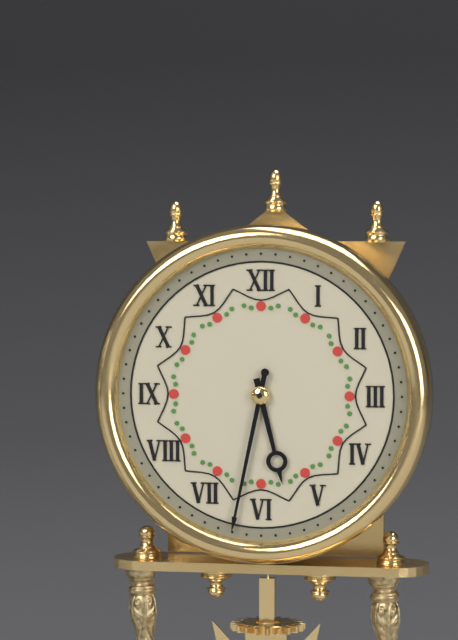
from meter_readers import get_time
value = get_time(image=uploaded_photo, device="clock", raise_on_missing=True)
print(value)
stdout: 5:32
